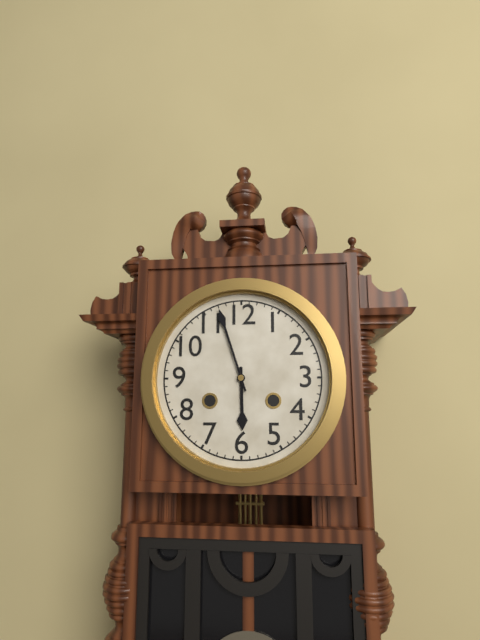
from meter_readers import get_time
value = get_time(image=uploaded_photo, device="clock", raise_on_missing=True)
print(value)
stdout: 5:57
